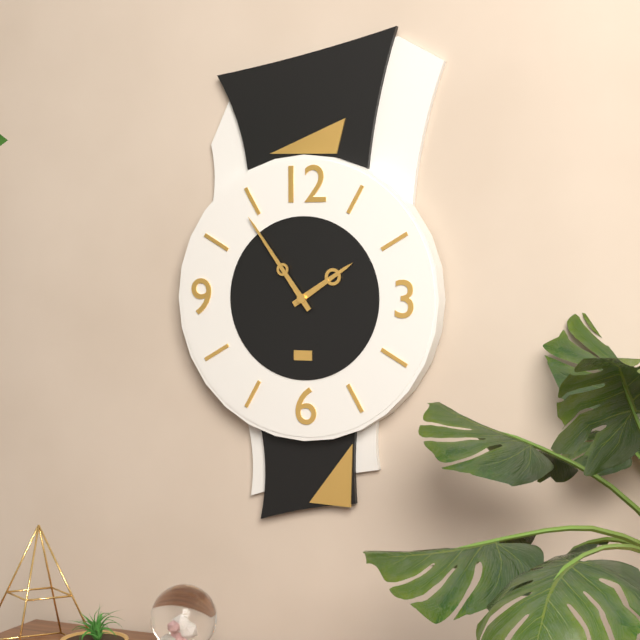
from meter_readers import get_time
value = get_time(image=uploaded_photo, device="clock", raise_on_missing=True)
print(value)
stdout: 1:54
